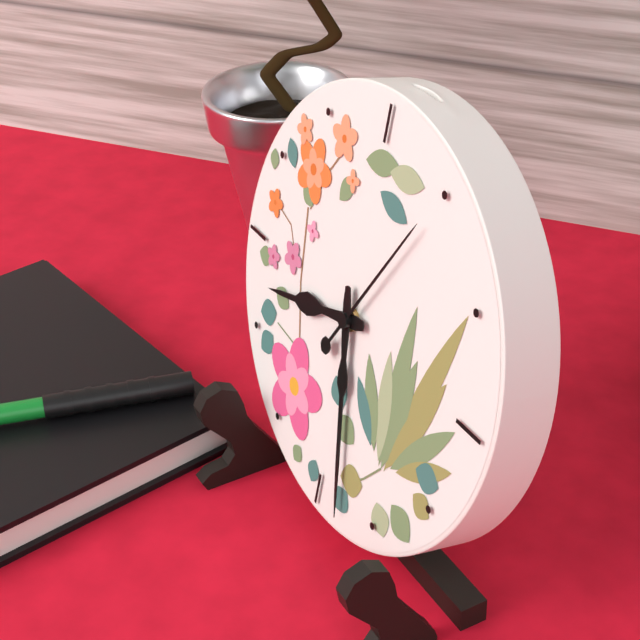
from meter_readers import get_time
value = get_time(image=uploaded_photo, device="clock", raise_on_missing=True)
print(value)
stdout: 8:28:05
